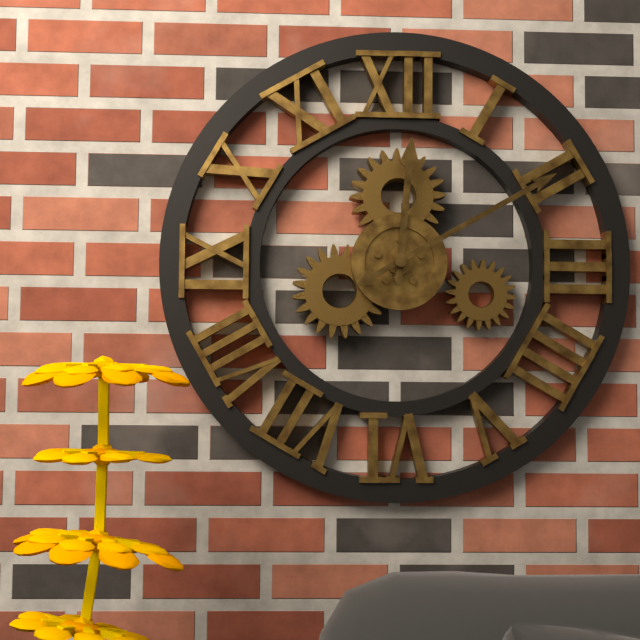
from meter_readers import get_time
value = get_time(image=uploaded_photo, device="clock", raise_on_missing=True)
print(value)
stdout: 12:10
